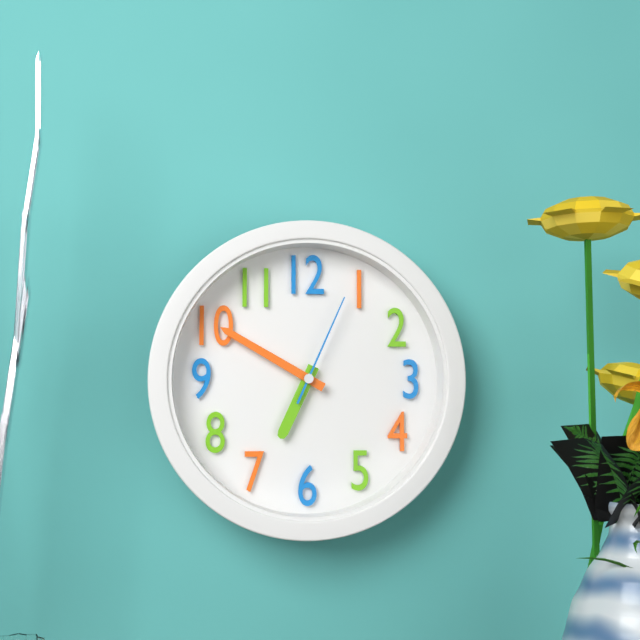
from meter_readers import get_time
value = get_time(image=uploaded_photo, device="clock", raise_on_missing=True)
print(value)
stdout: 6:50:04
